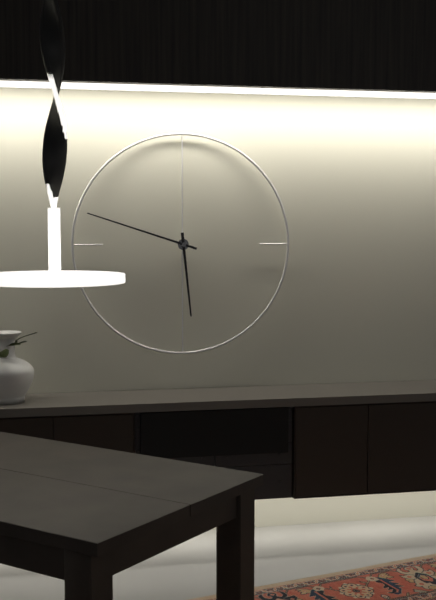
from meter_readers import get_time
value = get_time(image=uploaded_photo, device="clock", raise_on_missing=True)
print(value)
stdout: 5:48
